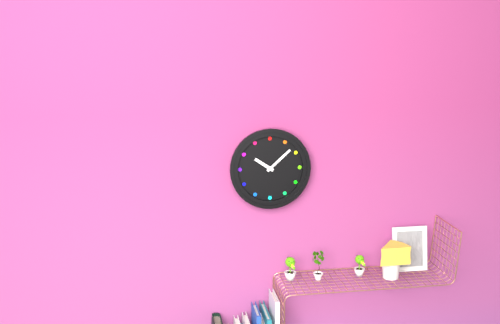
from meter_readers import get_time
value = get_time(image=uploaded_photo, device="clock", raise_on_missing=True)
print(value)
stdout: 10:08
